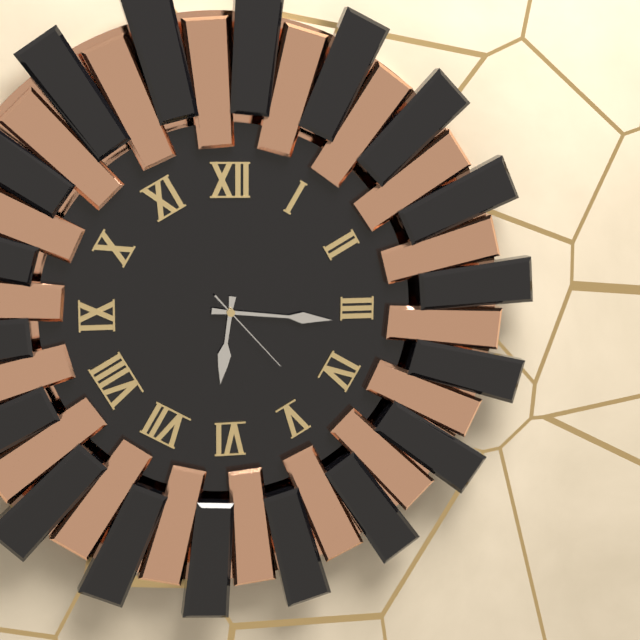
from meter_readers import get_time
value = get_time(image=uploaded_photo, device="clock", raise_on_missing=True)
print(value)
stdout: 6:16:23
